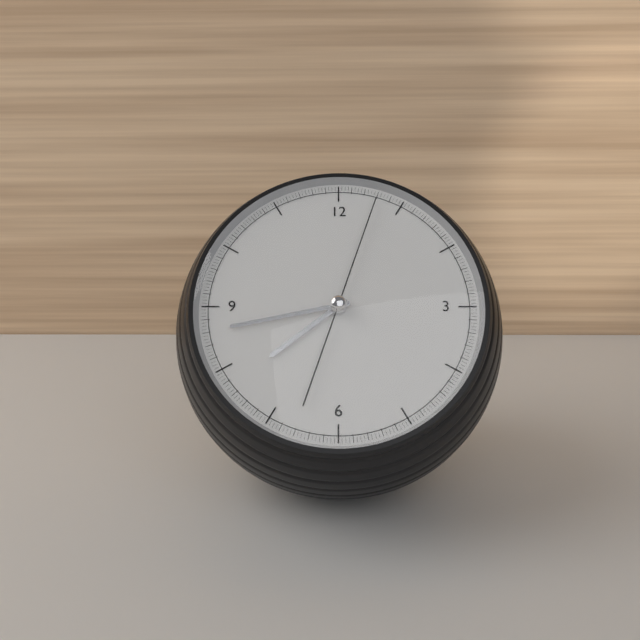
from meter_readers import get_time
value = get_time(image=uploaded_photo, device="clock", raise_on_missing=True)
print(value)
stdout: 7:43:03
